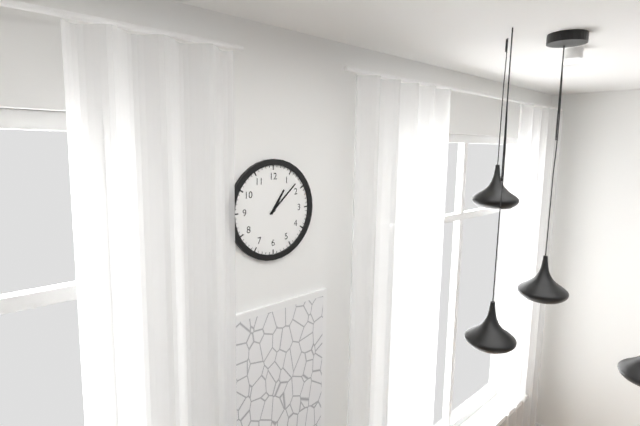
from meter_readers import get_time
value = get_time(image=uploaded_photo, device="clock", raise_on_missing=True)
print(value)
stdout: 1:08
